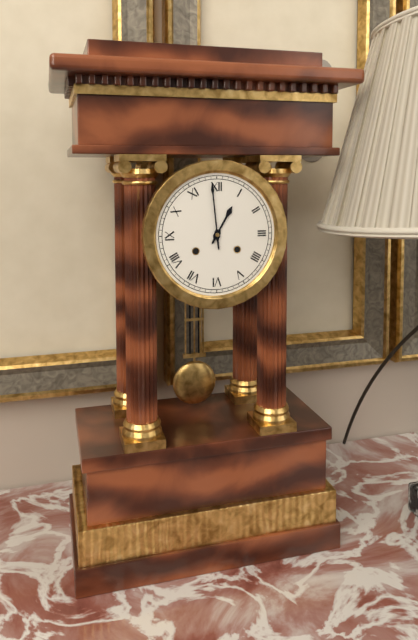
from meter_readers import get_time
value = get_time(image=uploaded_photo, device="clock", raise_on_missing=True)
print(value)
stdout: 12:59
